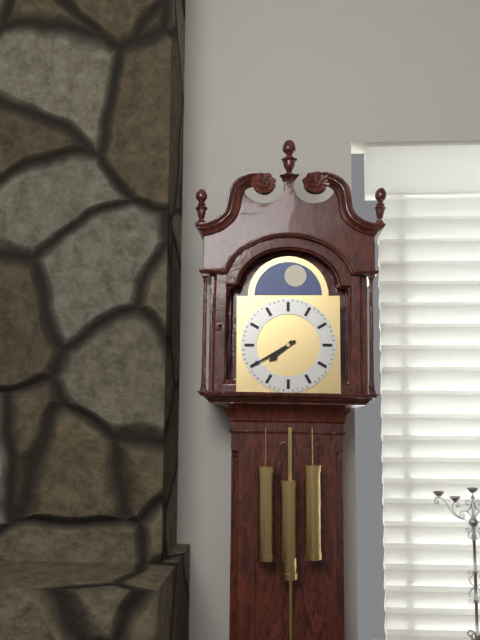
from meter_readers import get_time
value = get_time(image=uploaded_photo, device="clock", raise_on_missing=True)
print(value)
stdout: 7:40
